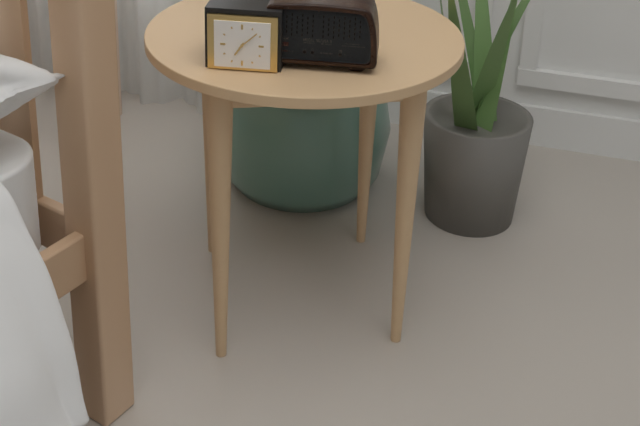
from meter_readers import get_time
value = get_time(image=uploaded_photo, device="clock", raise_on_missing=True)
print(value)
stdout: 7:08
